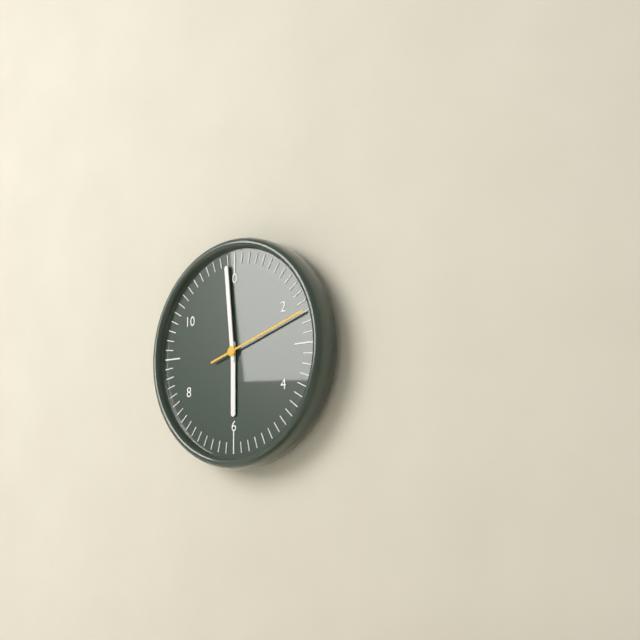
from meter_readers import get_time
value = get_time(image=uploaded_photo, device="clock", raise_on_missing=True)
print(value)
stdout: 5:59:12
